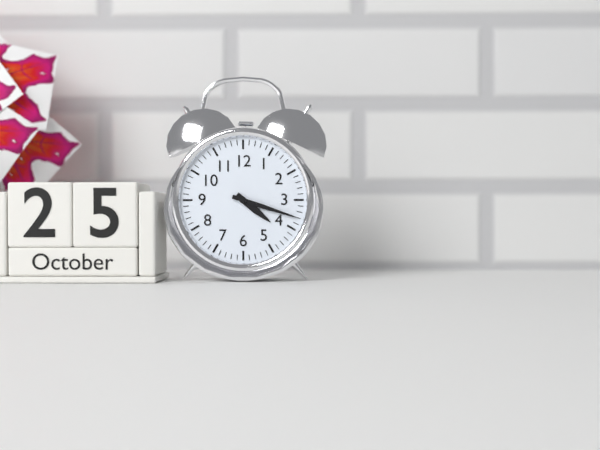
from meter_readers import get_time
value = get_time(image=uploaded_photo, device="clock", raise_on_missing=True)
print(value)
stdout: 4:18
